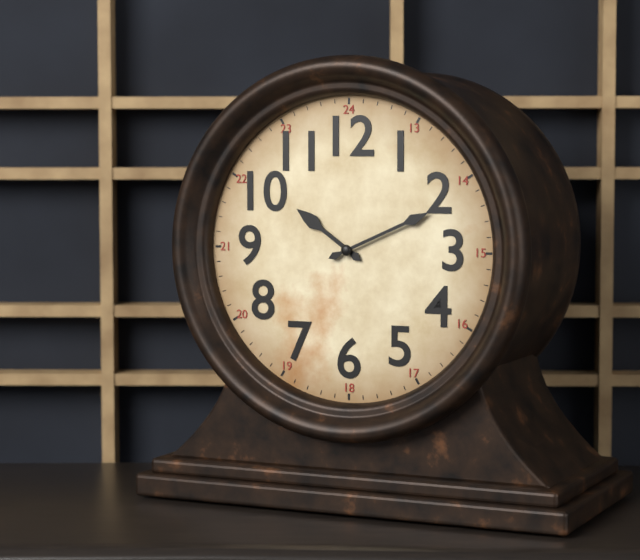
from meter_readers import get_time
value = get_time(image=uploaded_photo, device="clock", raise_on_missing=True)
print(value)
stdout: 10:11
